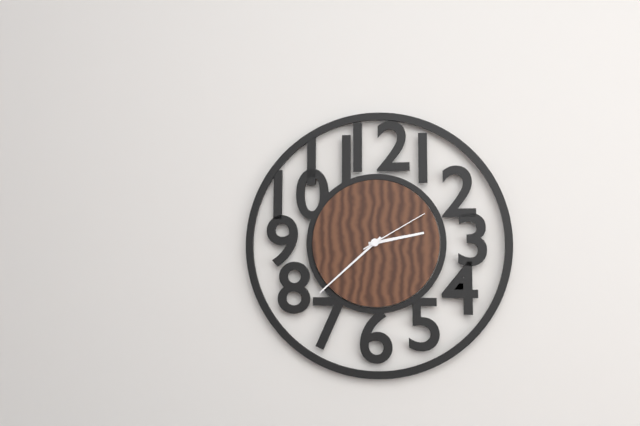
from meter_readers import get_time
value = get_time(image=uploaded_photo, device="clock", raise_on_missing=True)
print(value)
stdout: 2:38:10
